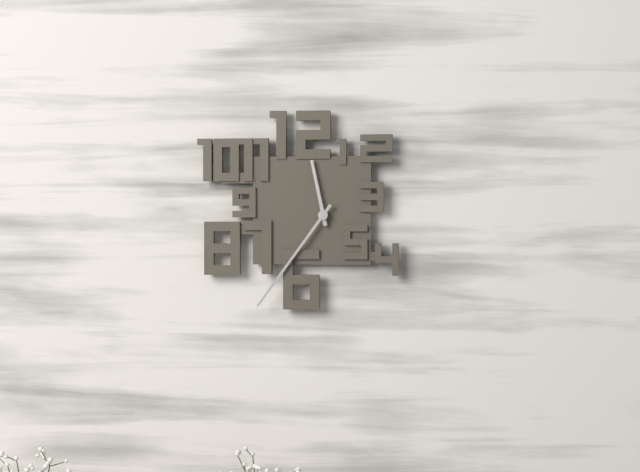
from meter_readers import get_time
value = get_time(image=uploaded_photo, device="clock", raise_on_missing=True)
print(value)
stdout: 11:36
